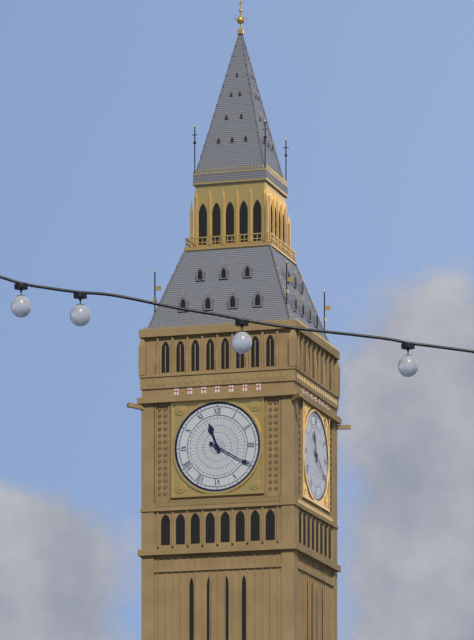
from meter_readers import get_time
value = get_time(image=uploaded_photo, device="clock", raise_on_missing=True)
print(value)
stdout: 11:20
